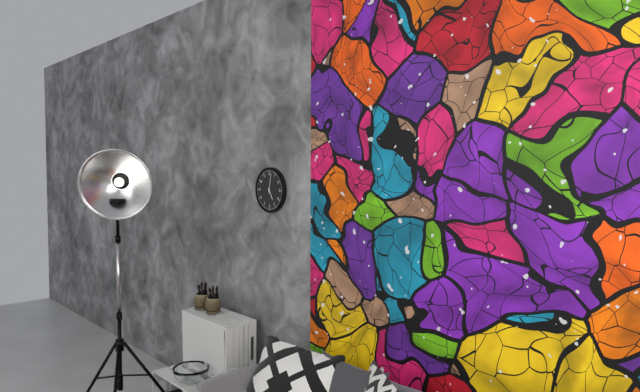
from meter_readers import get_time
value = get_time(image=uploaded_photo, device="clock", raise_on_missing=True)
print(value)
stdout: 5:02
